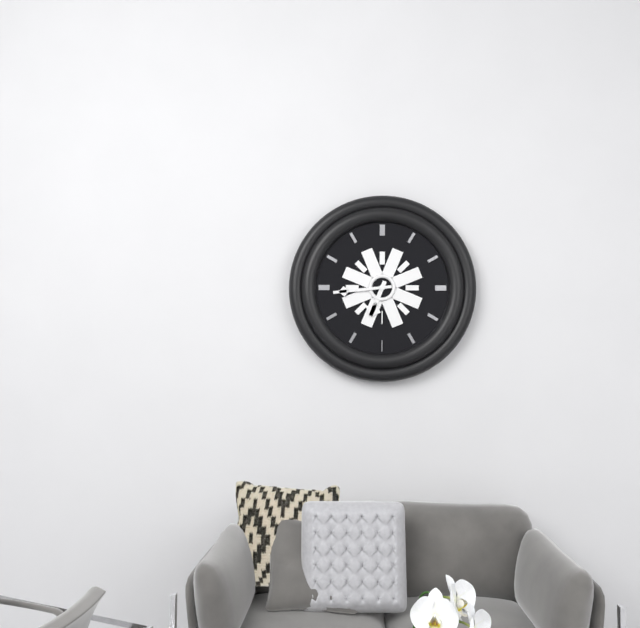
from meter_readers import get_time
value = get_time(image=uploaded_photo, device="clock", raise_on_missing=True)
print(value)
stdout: 6:44
